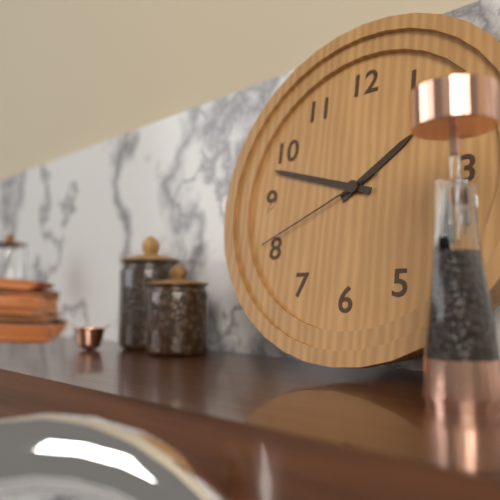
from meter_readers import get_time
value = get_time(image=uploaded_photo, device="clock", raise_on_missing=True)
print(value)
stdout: 1:48:41
